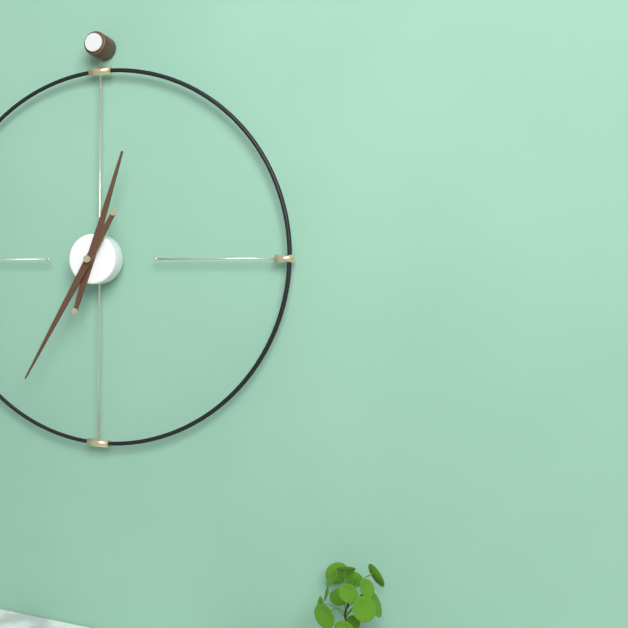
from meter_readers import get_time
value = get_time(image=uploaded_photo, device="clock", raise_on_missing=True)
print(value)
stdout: 12:35
